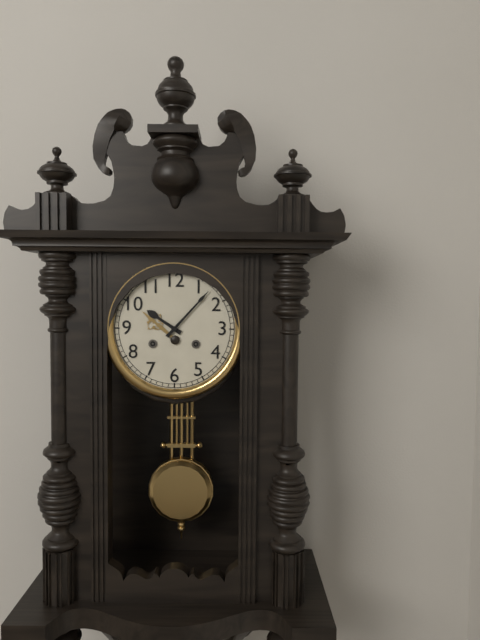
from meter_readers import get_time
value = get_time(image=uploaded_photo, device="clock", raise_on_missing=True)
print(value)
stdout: 10:07
